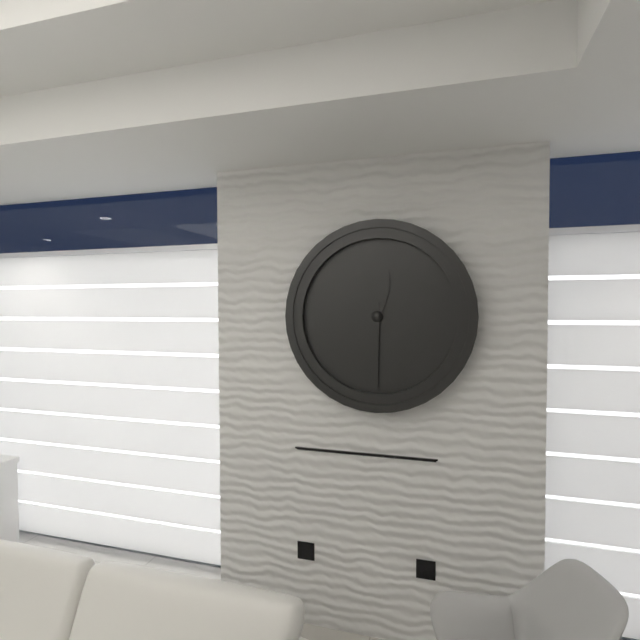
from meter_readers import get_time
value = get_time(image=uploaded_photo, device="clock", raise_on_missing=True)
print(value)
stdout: 12:30
